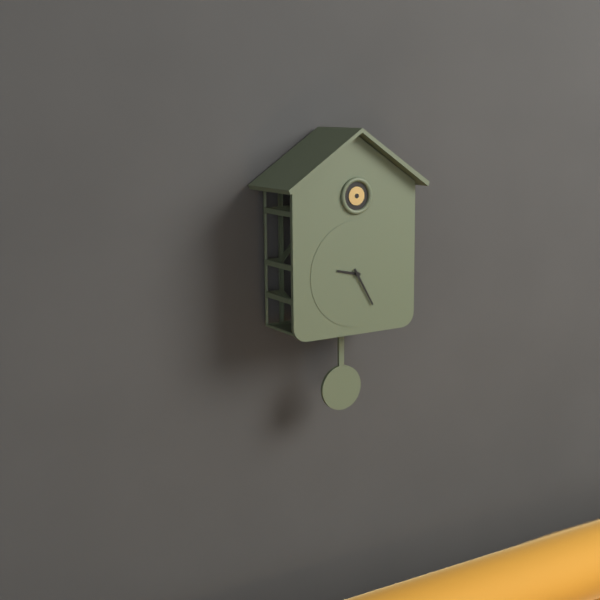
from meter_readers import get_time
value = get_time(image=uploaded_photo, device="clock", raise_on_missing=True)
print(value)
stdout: 9:25
